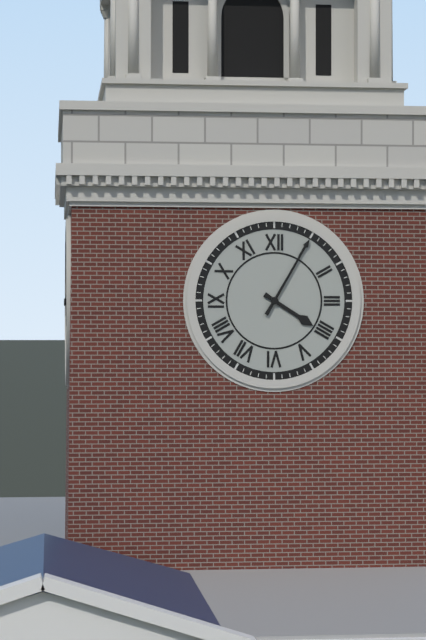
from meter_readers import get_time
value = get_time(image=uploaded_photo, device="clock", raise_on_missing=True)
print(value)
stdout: 4:05
